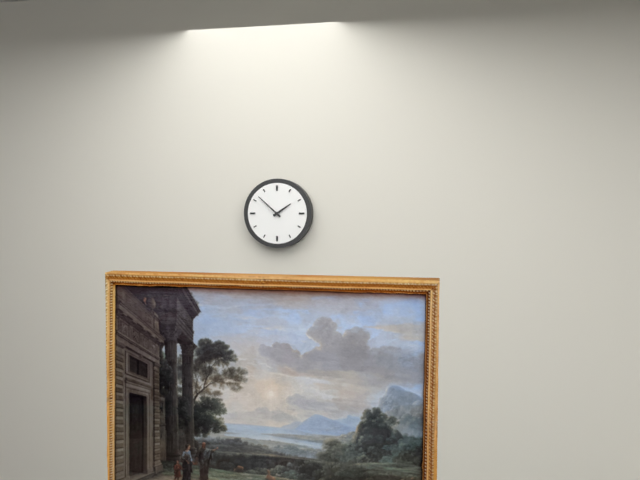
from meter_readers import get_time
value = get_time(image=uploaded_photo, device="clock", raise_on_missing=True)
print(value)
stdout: 1:52
